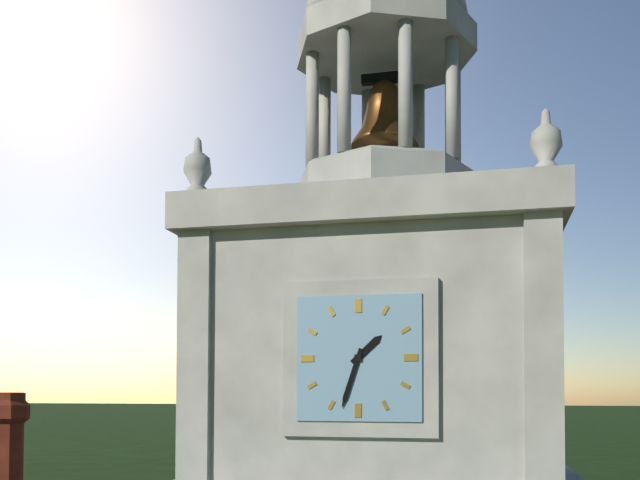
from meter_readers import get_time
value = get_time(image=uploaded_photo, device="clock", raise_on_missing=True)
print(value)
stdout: 1:33
